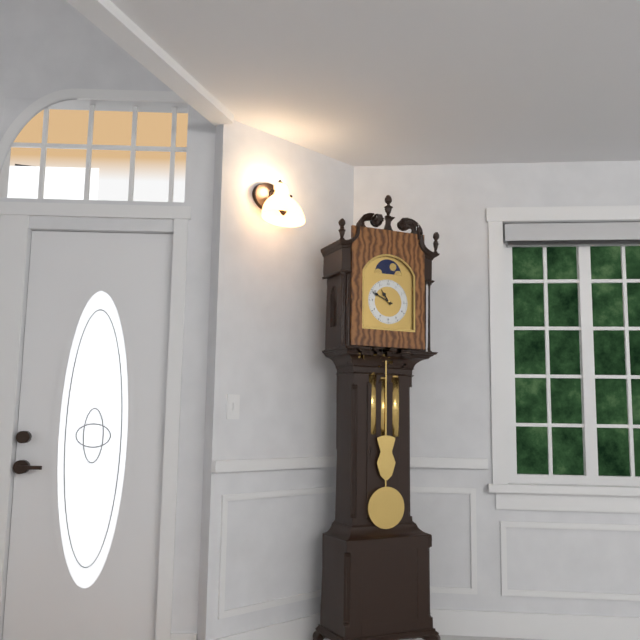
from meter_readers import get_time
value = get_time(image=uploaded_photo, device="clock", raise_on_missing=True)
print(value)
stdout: 10:49
